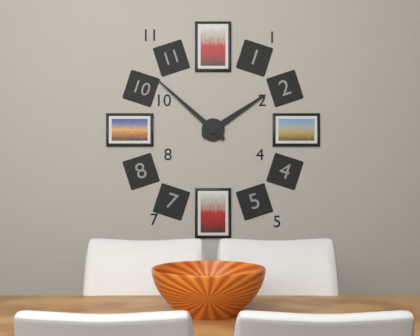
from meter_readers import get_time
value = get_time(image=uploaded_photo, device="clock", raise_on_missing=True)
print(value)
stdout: 1:52
